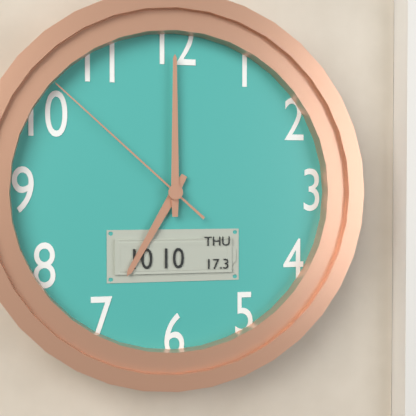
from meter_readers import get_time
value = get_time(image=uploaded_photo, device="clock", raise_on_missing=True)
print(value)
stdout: 7:00:52
